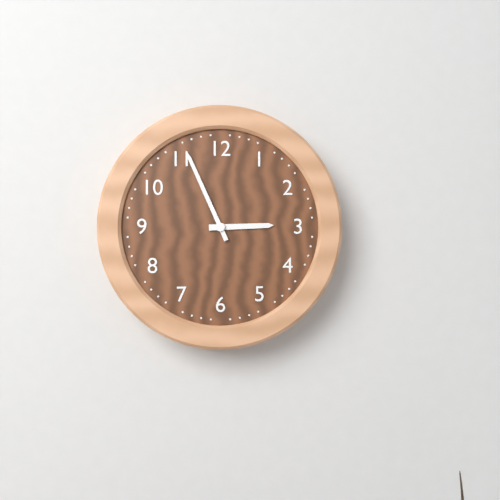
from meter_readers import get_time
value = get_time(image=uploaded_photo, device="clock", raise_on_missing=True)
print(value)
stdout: 2:56
